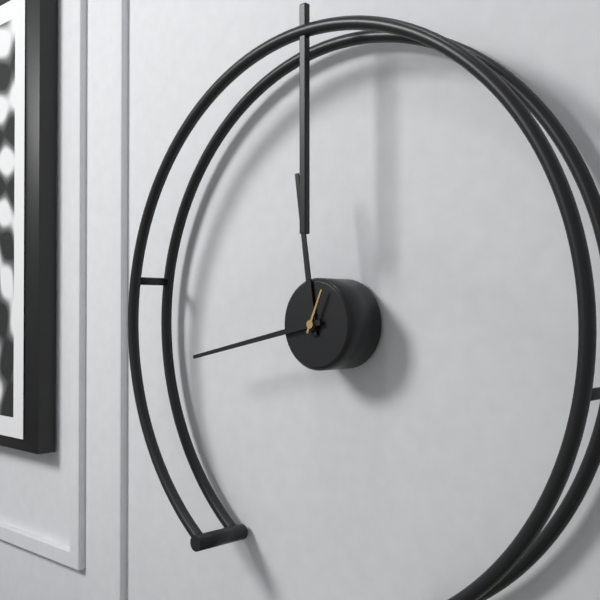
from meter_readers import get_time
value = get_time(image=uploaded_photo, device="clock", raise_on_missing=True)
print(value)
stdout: 11:43
